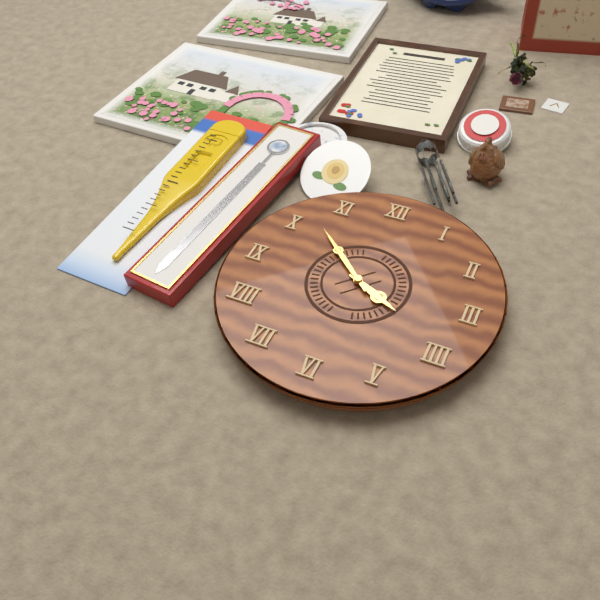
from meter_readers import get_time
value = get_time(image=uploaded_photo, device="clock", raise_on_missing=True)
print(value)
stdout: 3:52
